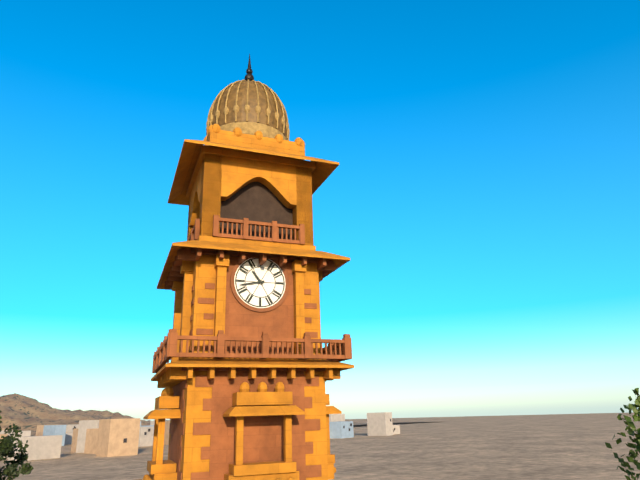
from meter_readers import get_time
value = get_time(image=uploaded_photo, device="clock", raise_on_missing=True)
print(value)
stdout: 10:43
